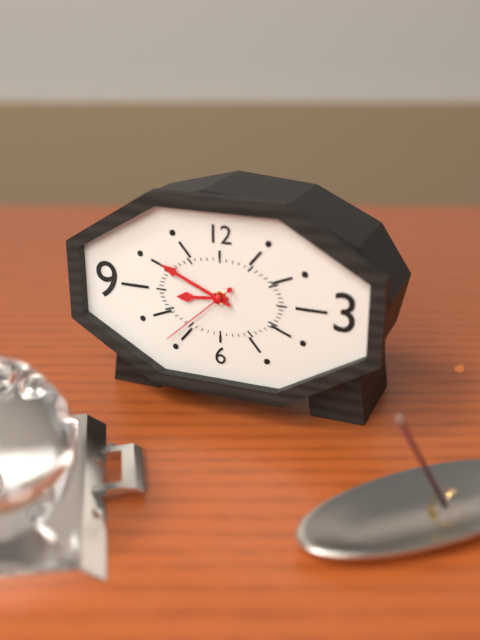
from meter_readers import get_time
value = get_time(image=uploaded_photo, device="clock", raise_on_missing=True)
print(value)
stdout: 8:49:38
